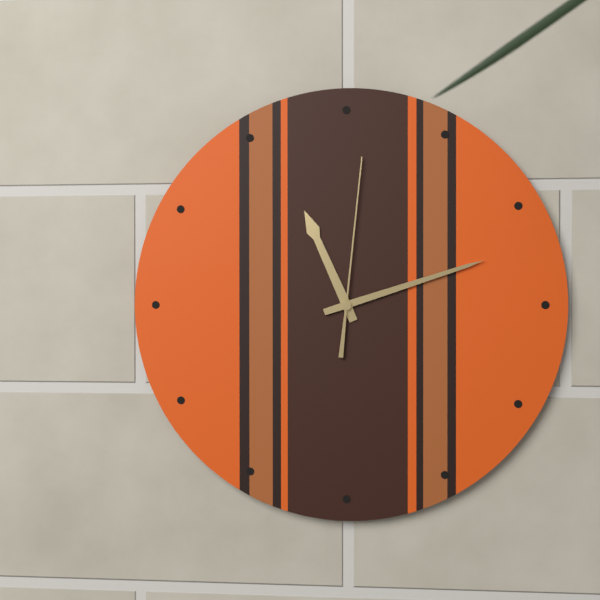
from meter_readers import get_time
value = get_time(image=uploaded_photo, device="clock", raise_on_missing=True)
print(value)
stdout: 11:12:01
